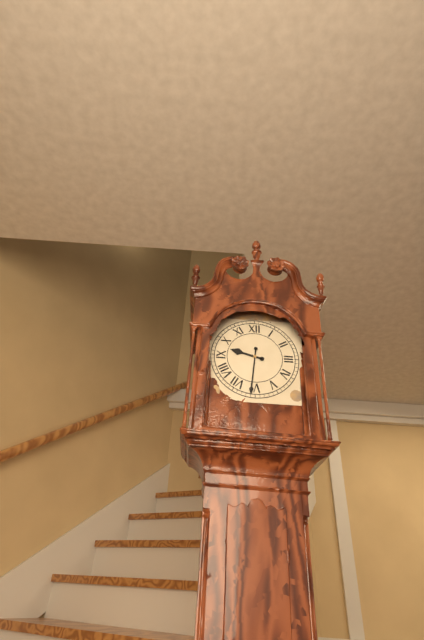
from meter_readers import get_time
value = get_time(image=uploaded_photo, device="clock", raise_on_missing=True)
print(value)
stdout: 9:31
